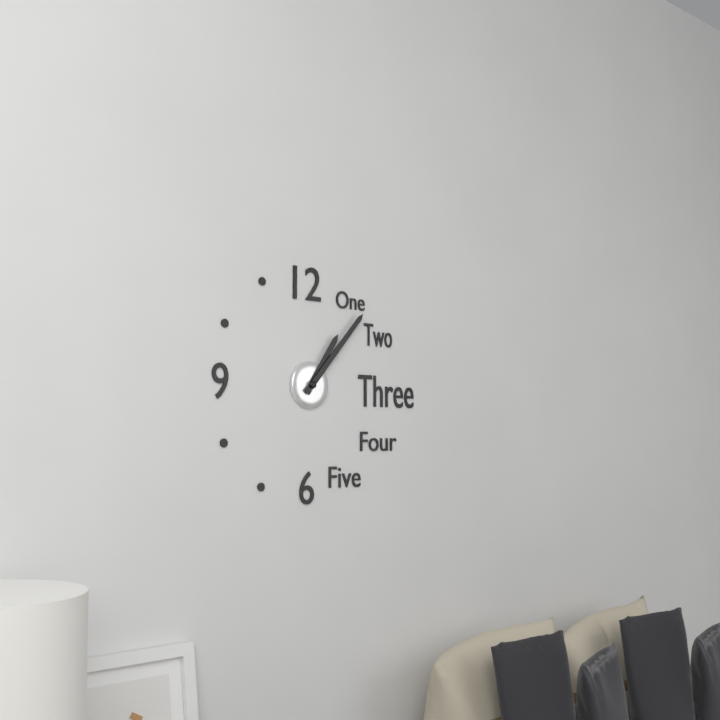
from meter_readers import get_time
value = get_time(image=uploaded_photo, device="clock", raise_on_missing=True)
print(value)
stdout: 1:07
